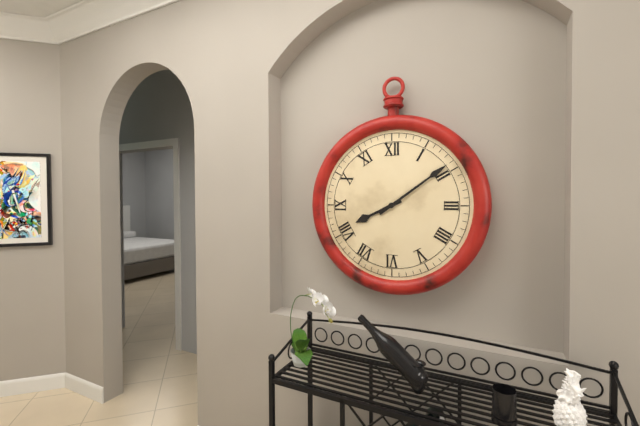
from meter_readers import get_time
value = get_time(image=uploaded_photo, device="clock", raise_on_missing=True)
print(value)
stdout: 8:09
